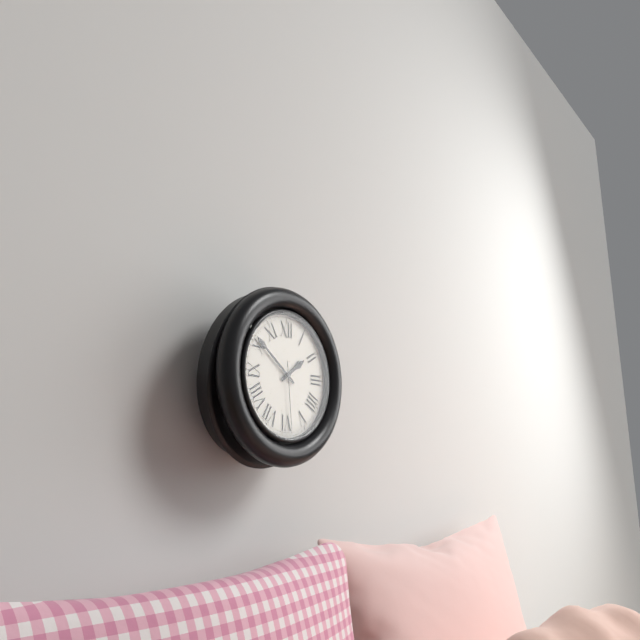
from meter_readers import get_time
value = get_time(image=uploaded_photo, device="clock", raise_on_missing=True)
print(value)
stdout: 1:51:29
